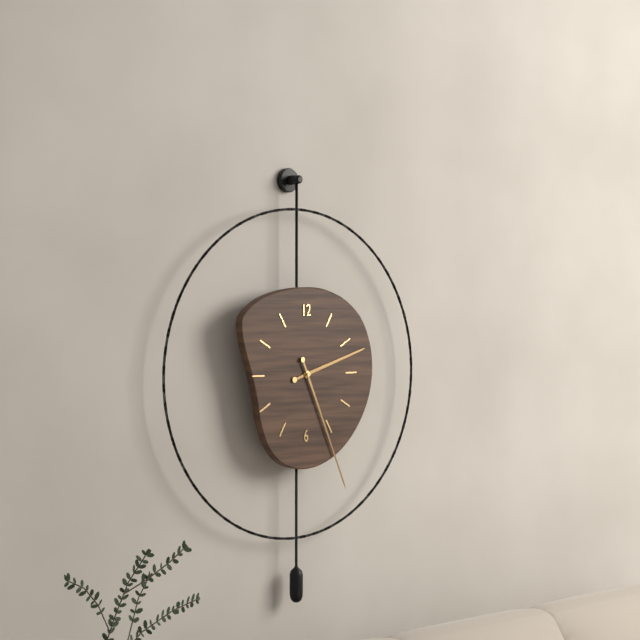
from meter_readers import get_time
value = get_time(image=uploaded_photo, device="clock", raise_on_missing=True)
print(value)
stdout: 2:26
